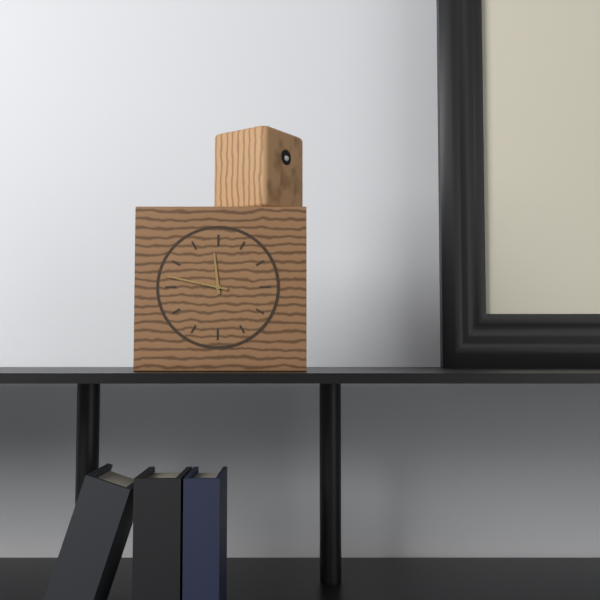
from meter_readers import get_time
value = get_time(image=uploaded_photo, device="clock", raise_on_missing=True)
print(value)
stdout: 11:47
